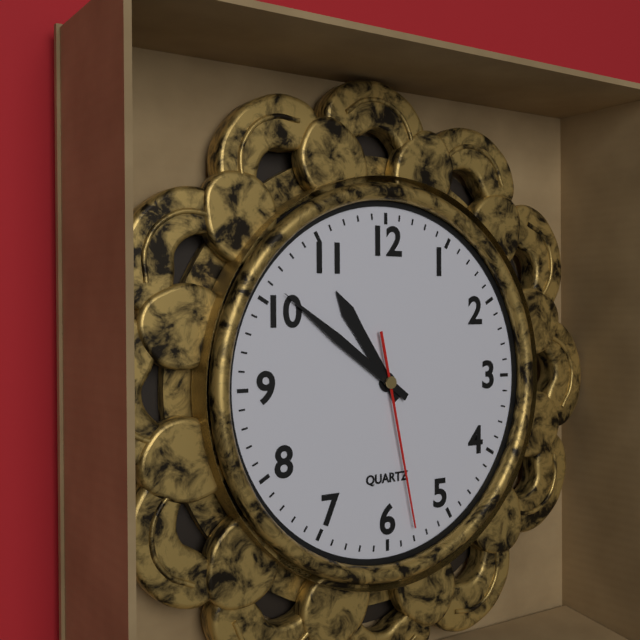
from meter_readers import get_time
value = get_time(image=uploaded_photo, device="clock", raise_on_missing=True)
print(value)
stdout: 10:51:28
